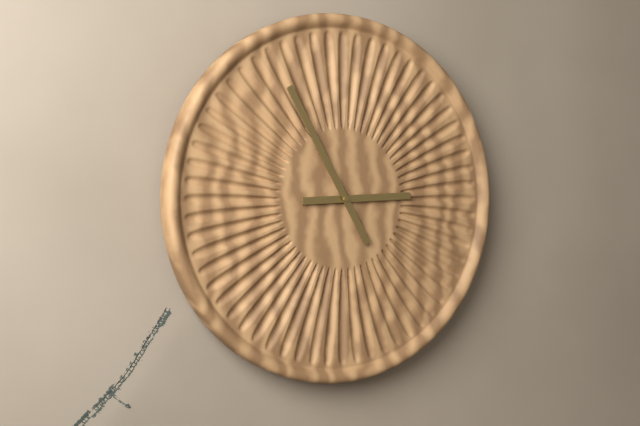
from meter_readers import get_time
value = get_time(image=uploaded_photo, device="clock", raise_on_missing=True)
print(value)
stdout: 2:55
